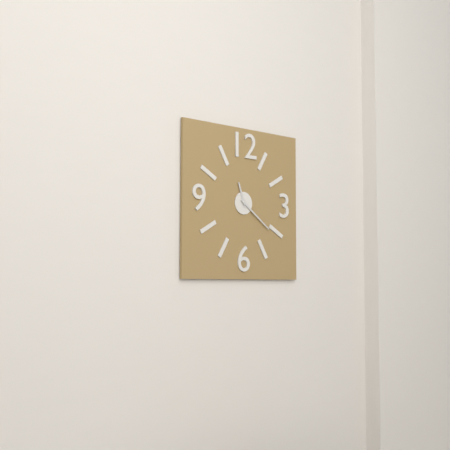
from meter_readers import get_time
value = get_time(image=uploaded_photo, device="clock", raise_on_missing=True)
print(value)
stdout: 11:21
